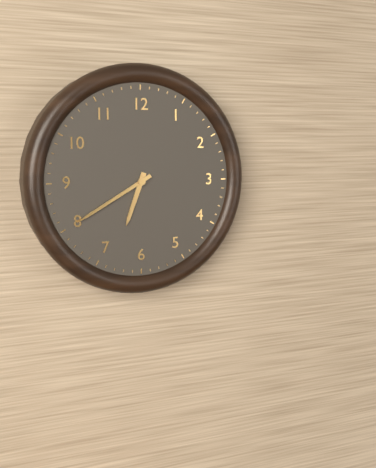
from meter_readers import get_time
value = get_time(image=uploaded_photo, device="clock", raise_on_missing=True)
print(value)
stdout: 6:40
